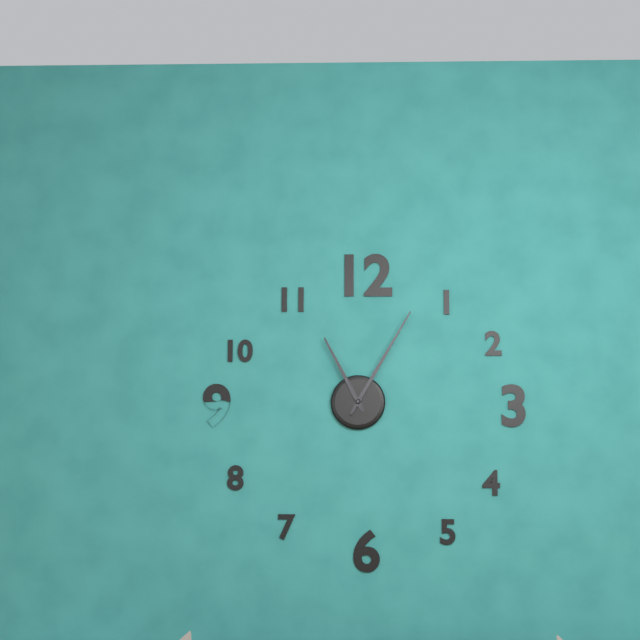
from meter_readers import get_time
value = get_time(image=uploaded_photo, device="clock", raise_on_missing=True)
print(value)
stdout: 11:05
